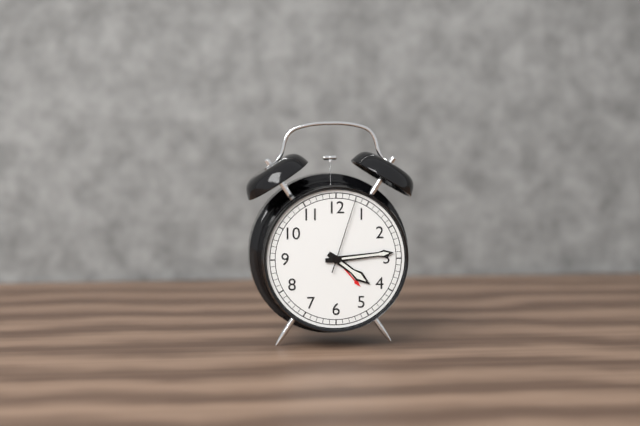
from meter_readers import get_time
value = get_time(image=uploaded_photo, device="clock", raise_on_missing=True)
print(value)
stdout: 4:14:03
